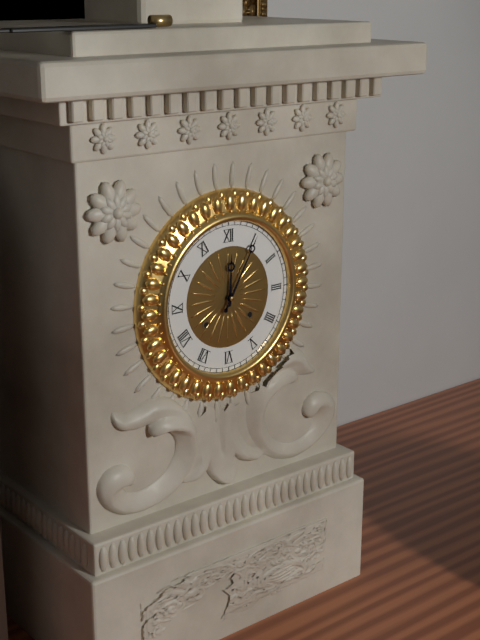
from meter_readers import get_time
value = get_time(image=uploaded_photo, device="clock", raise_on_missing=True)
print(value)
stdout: 12:05
